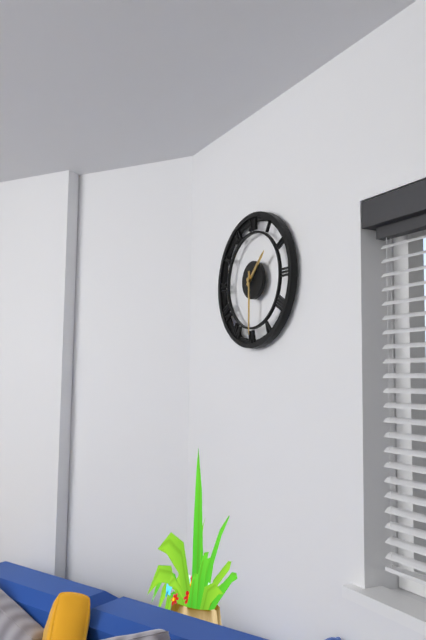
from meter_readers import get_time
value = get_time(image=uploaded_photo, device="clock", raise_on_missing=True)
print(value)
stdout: 1:30
